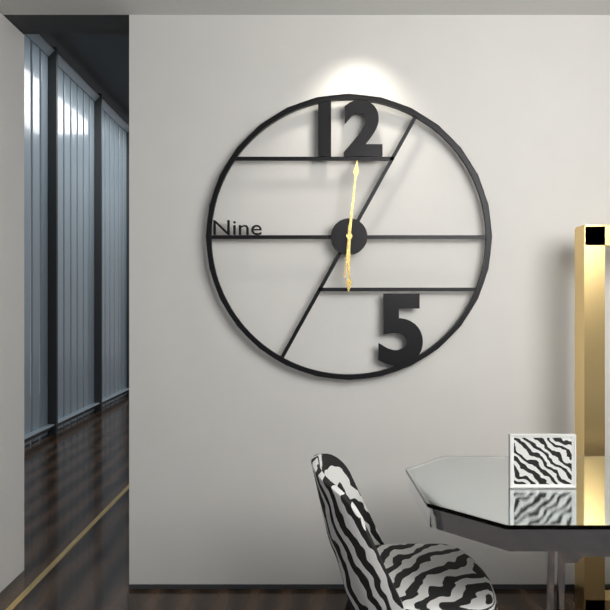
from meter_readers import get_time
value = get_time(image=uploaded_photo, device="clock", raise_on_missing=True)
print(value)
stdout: 6:01
